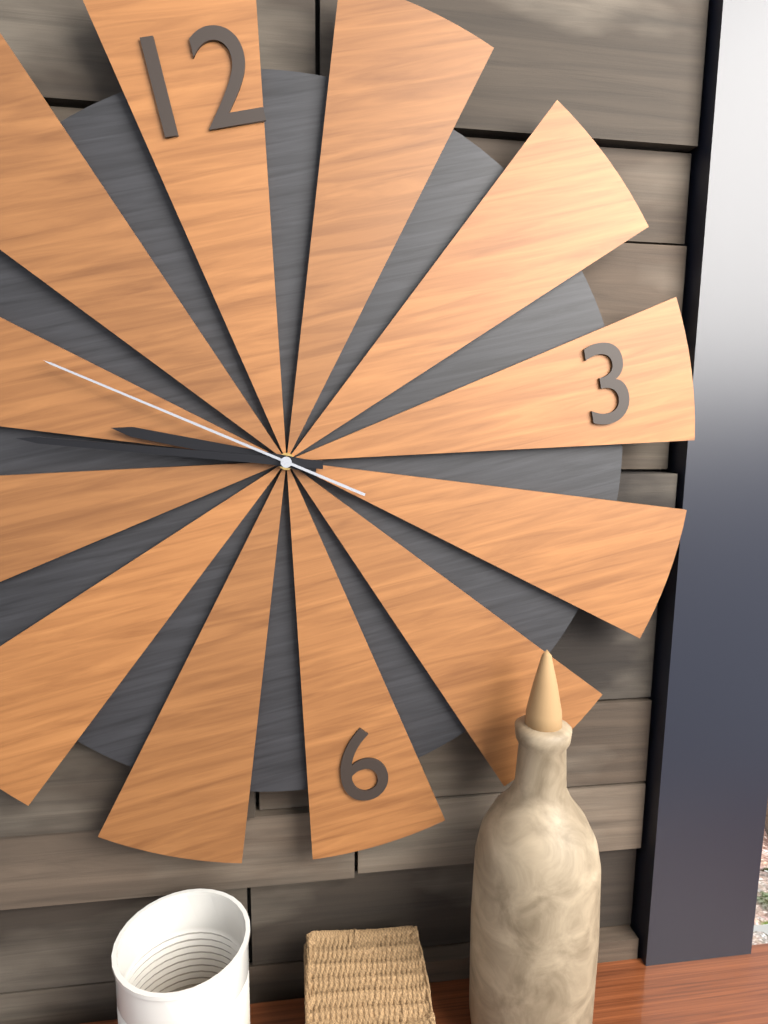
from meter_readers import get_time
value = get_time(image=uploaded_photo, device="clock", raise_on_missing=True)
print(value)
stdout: 9:48:51
